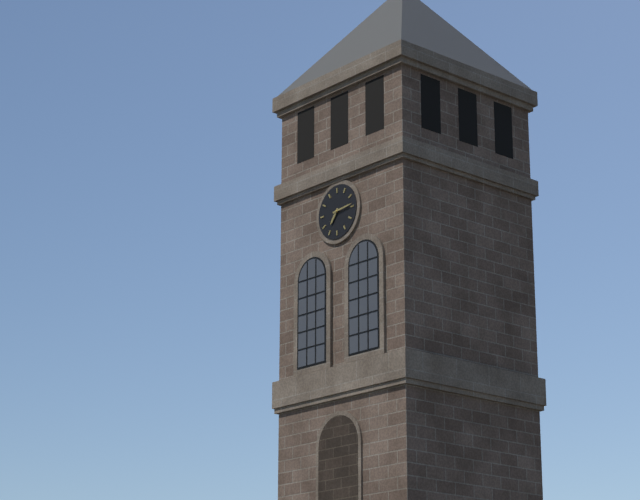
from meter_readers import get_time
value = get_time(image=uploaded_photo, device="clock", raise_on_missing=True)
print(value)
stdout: 7:14
